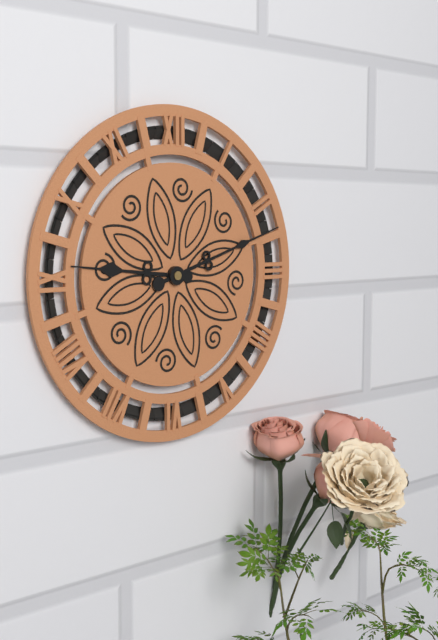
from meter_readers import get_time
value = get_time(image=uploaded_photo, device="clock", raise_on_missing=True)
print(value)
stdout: 9:12
